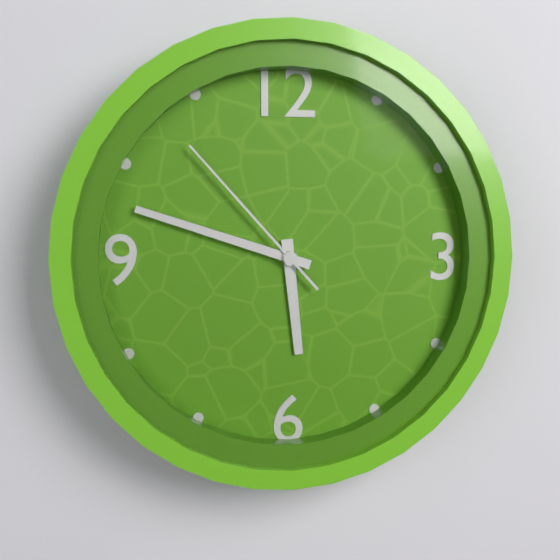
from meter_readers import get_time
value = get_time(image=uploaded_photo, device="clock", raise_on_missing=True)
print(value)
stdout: 5:48:53
